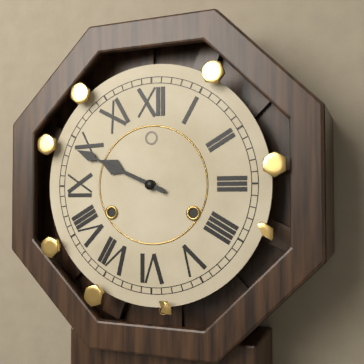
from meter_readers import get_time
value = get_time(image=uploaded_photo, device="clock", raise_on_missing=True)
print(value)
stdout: 9:49
